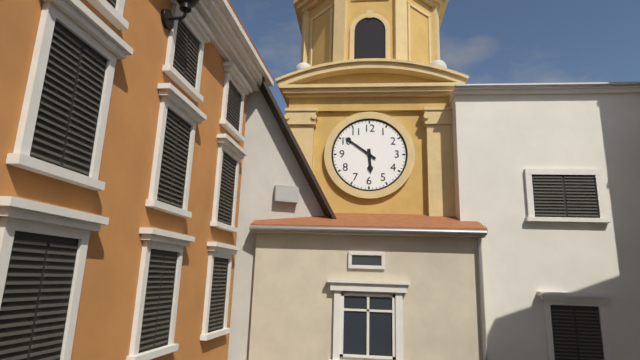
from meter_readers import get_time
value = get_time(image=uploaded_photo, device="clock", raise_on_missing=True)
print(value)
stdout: 5:51
